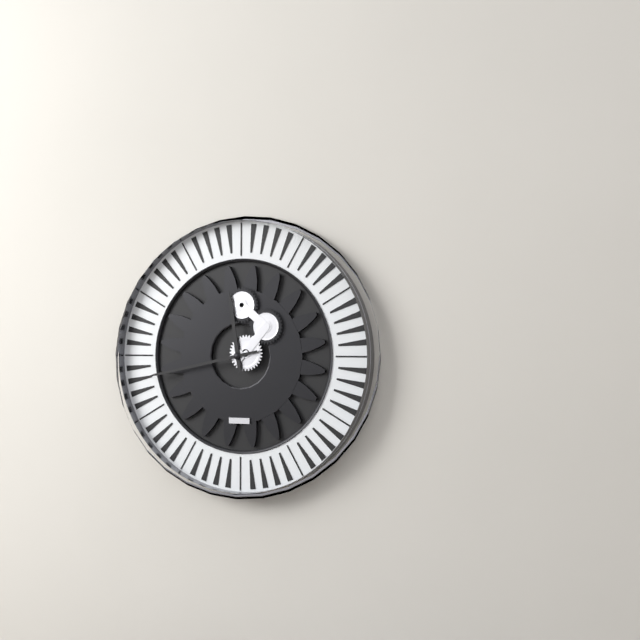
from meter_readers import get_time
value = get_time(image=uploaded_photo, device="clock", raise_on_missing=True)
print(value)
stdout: 11:43
